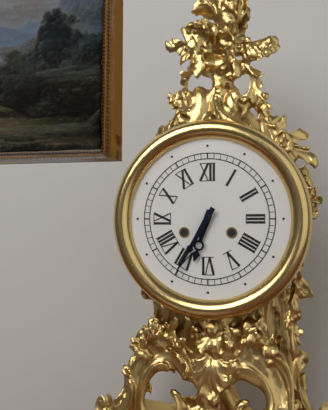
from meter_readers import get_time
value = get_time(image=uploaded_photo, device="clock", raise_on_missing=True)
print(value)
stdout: 6:35
